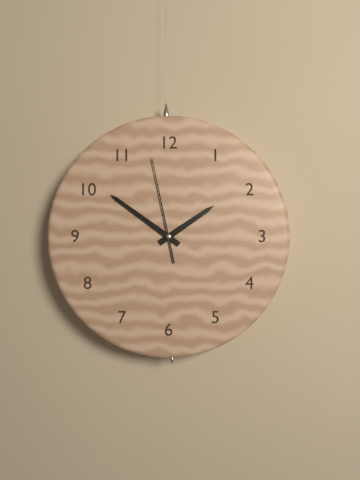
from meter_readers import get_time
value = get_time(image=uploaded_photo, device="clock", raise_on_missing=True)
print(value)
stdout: 1:51:58
